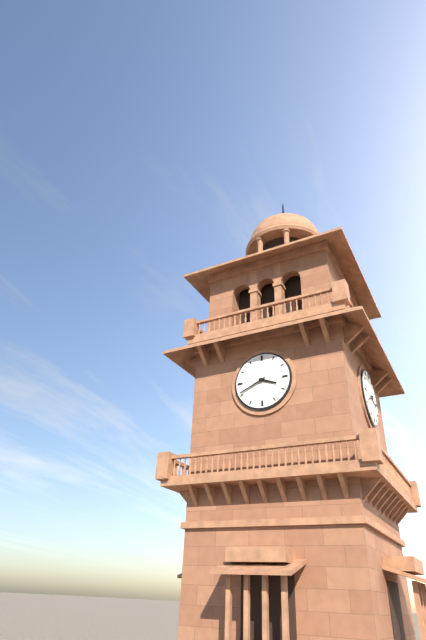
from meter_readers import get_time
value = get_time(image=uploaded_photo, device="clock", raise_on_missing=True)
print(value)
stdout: 3:41
